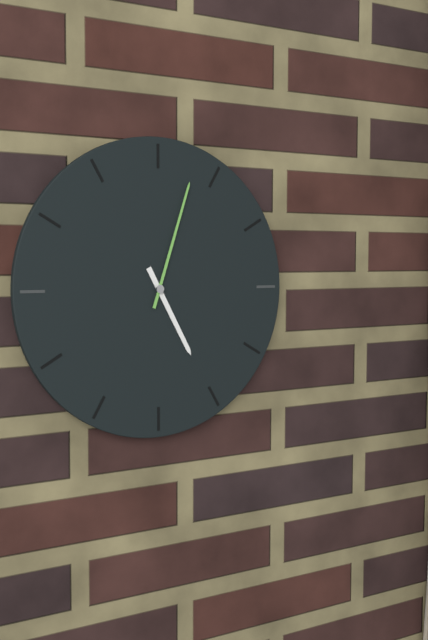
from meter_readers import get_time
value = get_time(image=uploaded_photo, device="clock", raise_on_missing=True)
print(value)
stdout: 5:03
